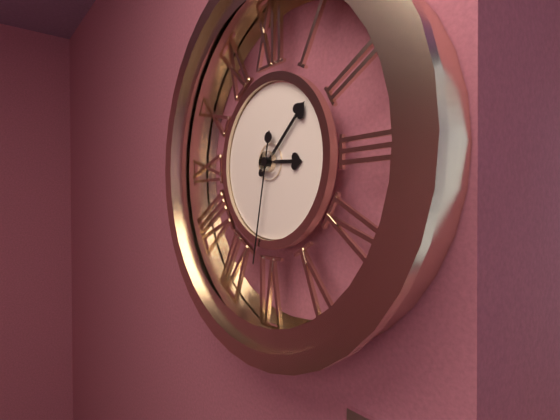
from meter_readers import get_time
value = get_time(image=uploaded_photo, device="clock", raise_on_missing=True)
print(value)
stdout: 3:08:32
